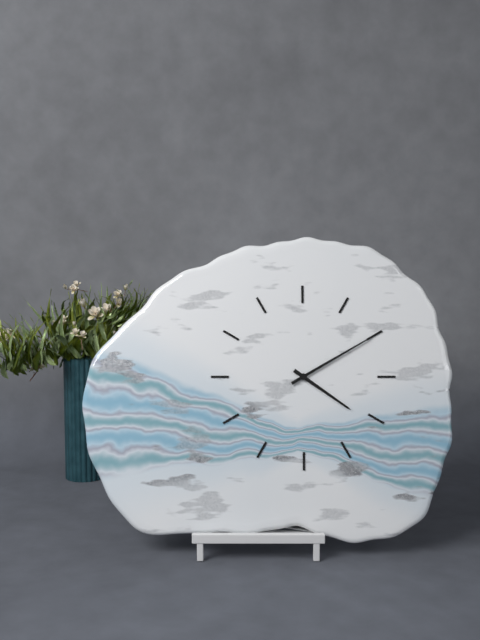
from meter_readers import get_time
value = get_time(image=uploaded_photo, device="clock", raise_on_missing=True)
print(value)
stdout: 4:10
